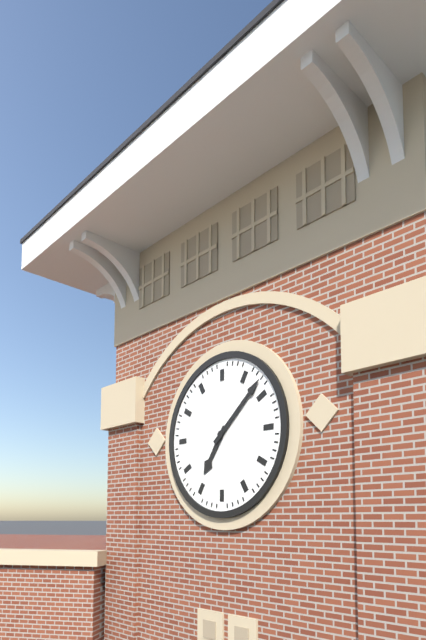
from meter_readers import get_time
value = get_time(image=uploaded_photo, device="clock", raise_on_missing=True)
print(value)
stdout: 7:08
